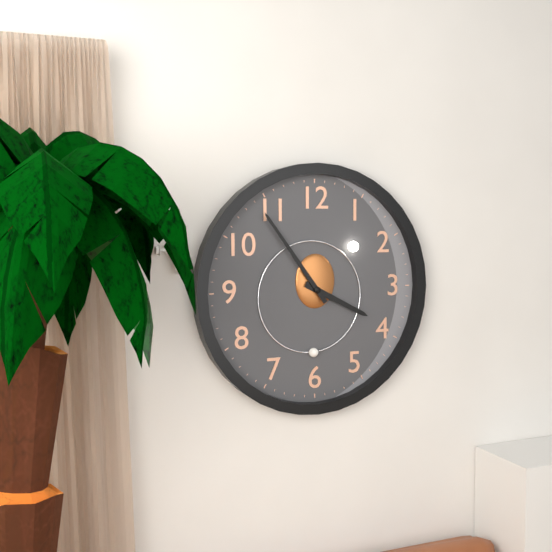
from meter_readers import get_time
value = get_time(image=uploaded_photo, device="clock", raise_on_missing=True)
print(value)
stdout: 3:54
